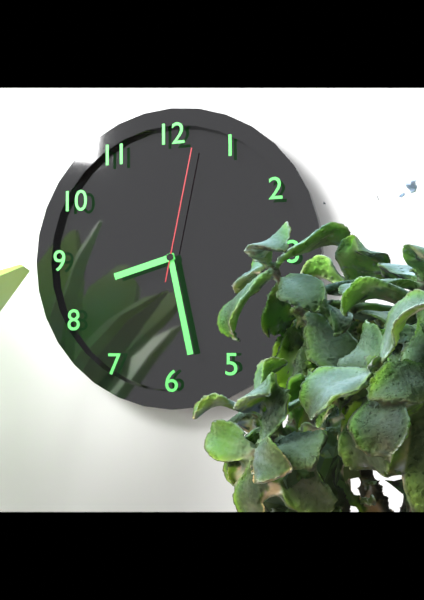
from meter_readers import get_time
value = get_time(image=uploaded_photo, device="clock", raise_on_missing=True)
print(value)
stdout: 8:28:02
